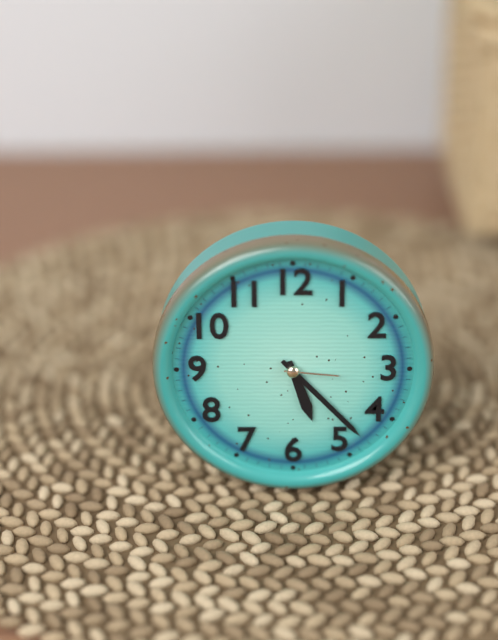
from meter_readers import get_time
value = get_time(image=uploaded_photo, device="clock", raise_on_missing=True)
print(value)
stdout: 5:23:16
